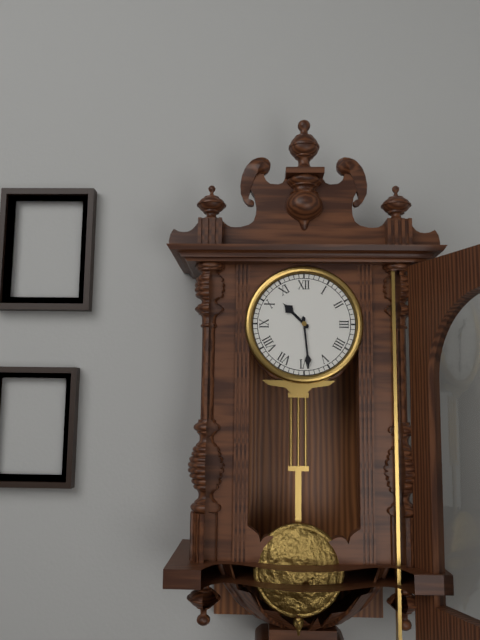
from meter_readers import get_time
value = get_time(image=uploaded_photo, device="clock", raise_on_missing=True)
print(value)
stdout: 10:29
